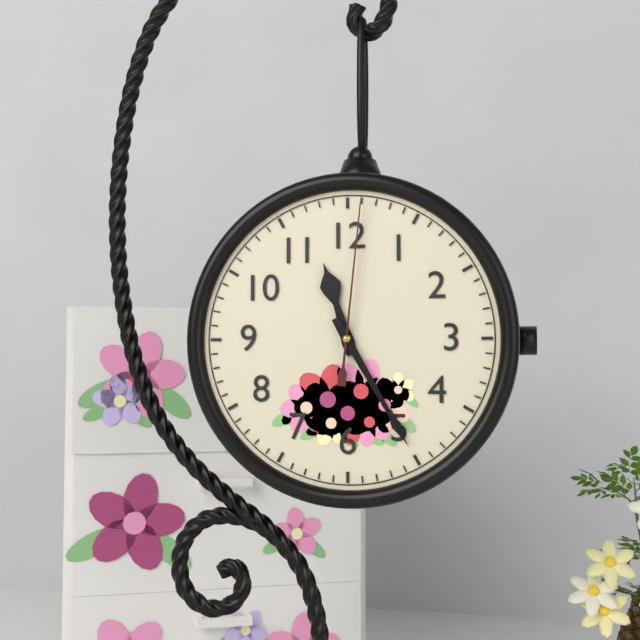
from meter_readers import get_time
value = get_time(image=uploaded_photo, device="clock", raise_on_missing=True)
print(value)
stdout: 11:25:01
